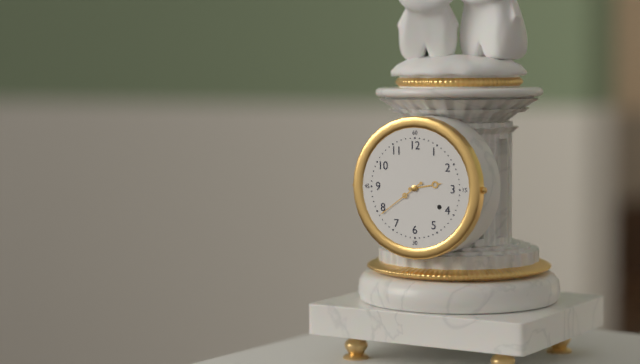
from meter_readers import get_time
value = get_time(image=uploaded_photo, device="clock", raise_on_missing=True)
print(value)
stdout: 2:39
